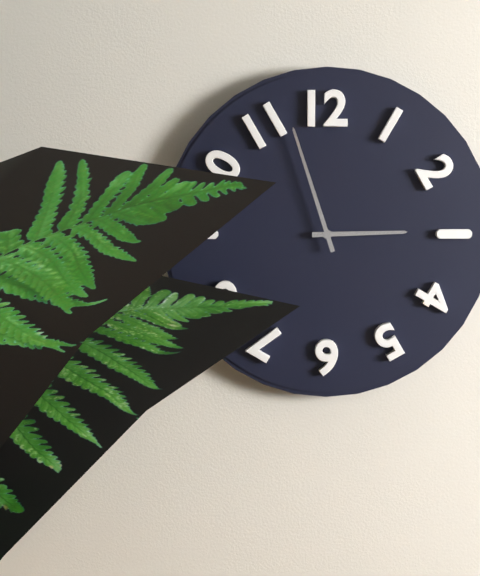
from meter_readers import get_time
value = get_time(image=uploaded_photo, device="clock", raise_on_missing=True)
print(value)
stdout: 2:57
